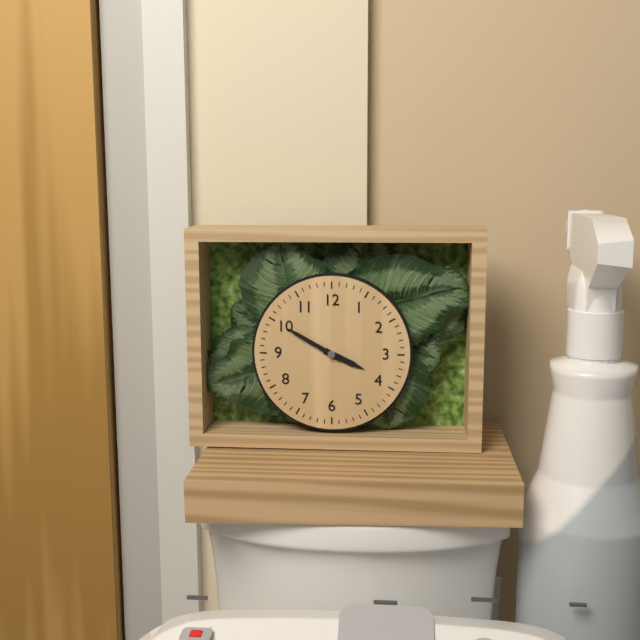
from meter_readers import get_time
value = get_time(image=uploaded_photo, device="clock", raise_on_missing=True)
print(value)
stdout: 3:50
